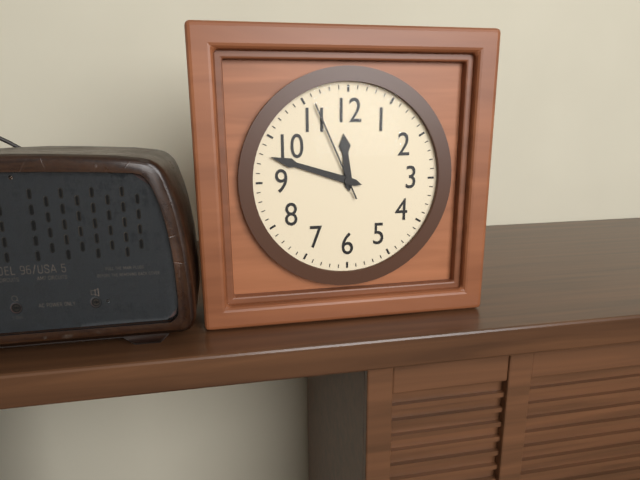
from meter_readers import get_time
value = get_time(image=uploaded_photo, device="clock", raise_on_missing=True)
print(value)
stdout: 11:48:56
